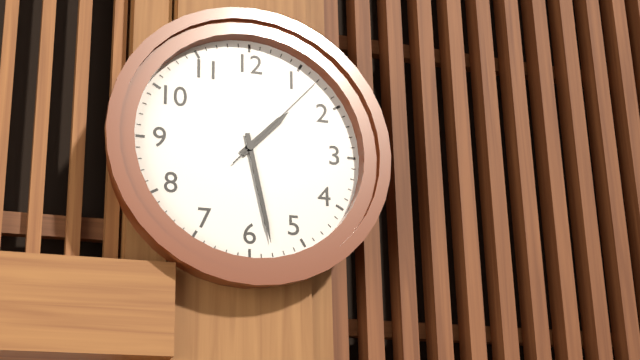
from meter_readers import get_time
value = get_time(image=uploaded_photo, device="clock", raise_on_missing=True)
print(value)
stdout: 1:28:07
